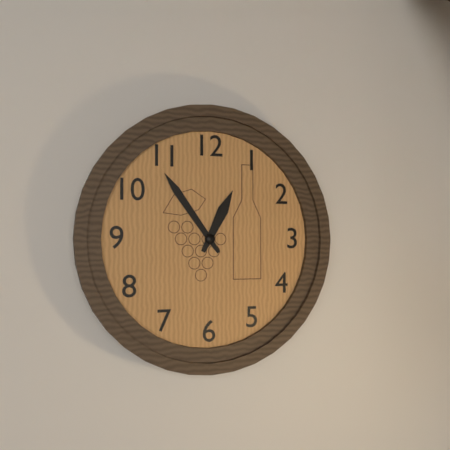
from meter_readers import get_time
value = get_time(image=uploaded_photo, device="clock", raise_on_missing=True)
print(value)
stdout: 12:54
